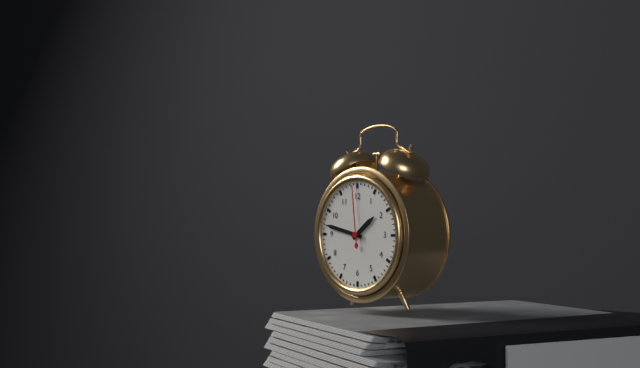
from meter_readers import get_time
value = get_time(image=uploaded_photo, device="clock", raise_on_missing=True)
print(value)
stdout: 1:47:59
